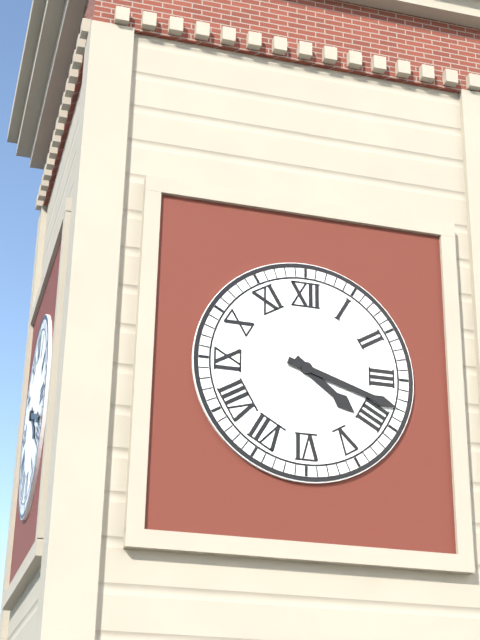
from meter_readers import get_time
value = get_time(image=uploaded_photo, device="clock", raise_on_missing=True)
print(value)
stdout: 4:18
